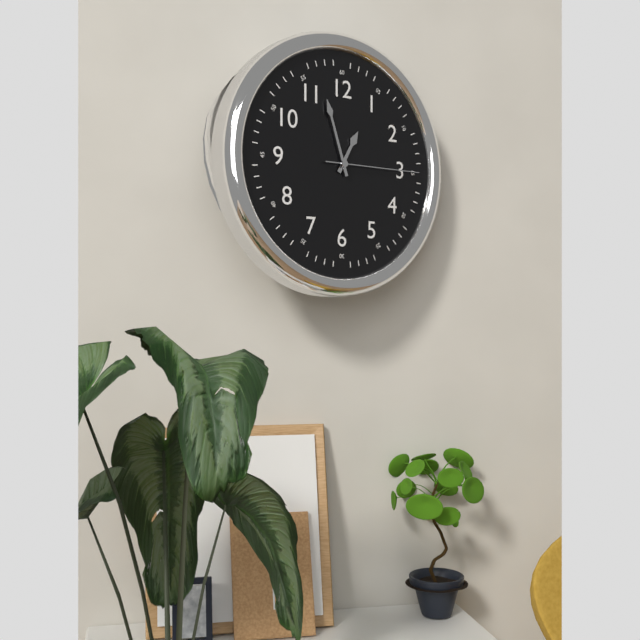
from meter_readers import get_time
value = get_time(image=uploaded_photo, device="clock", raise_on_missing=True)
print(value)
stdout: 12:57:15
